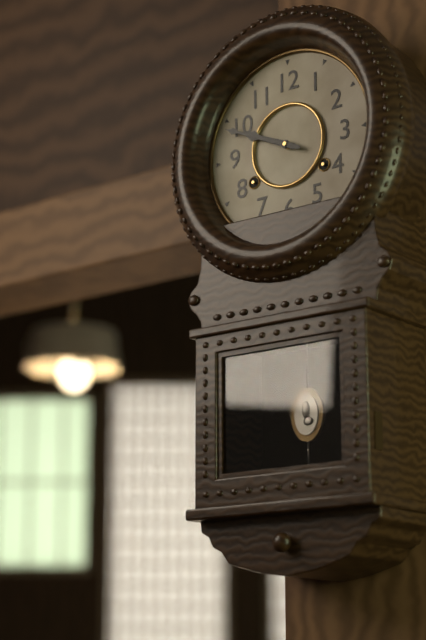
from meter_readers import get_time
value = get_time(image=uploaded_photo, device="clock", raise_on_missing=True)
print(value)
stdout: 9:49
